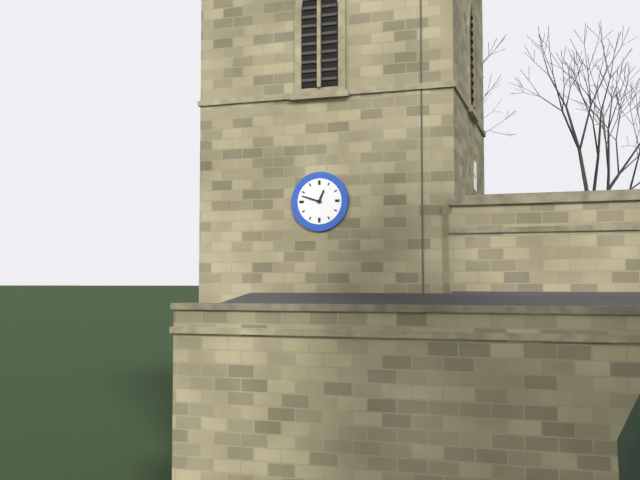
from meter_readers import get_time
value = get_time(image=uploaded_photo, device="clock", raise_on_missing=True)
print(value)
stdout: 12:48
